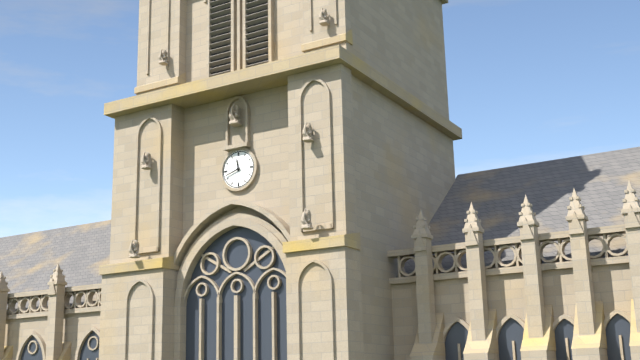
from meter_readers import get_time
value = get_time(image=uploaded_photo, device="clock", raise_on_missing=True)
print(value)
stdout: 11:42
